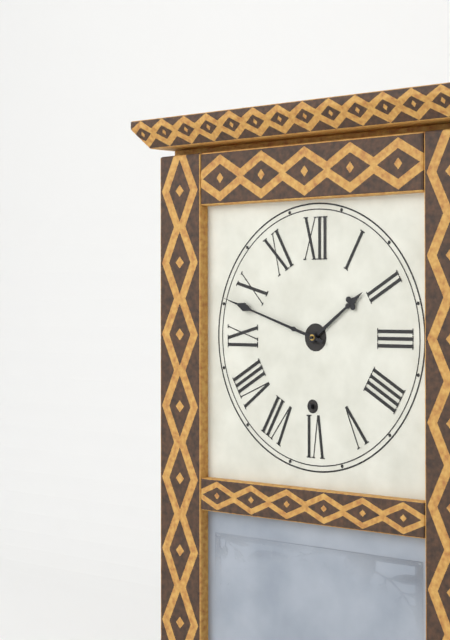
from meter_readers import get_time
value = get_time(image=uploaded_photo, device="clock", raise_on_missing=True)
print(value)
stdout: 1:48
